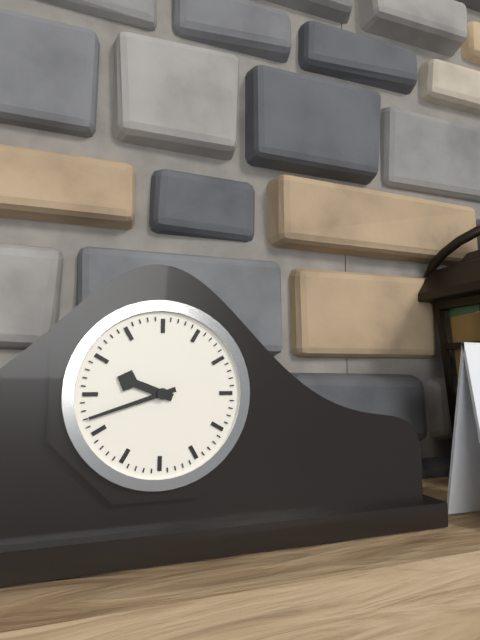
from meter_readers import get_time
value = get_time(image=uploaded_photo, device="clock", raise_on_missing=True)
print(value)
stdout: 9:42
